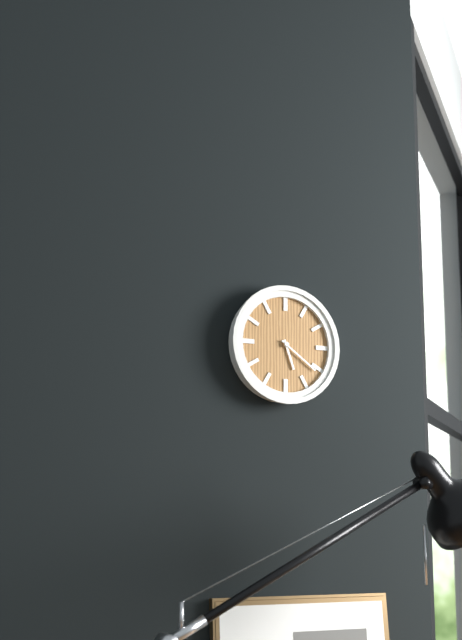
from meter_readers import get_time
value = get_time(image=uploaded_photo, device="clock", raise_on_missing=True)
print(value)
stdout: 5:21
